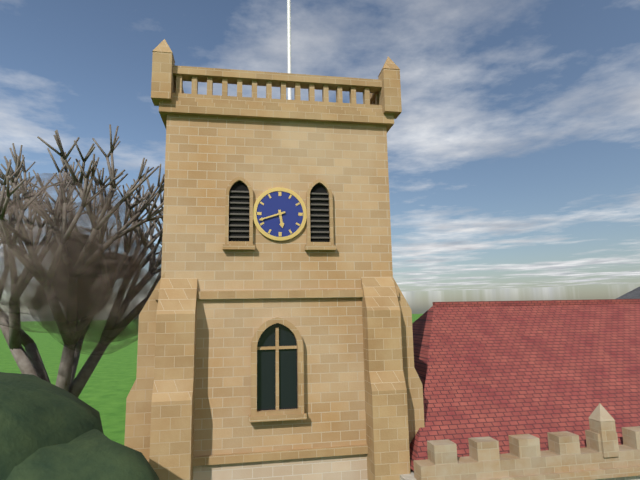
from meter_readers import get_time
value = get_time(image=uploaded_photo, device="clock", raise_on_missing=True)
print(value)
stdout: 5:42
